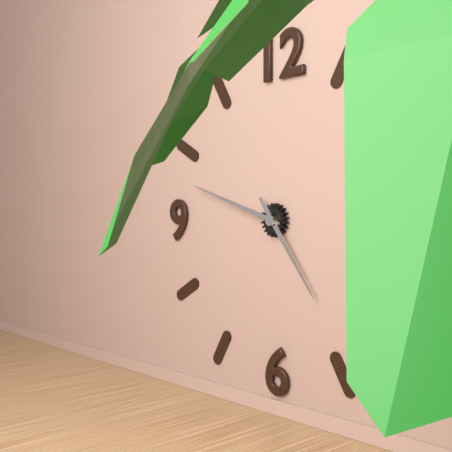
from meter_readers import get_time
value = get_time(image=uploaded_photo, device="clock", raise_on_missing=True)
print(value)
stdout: 4:48
